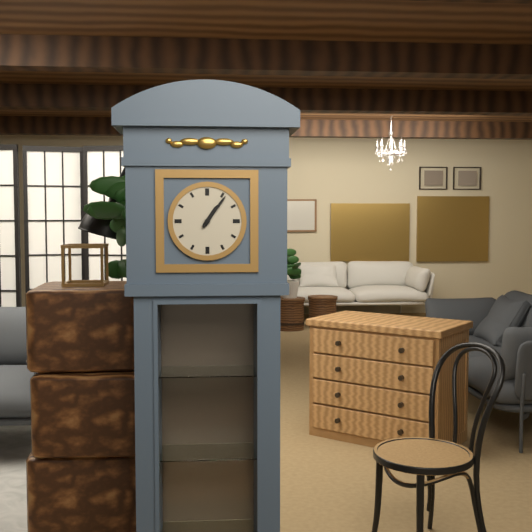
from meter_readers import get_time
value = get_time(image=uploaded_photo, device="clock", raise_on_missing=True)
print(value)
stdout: 1:06
